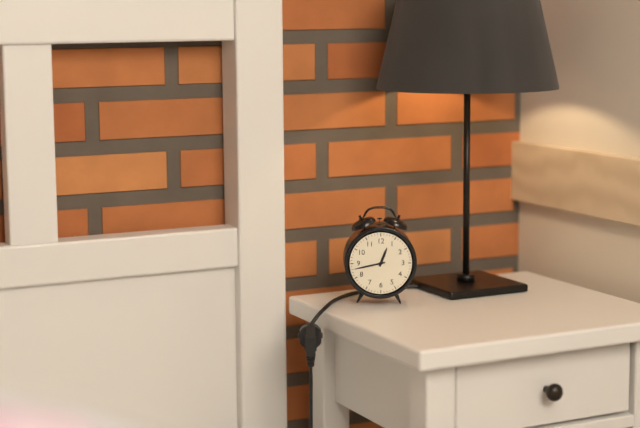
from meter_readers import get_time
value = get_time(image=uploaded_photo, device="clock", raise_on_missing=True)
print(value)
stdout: 12:43
